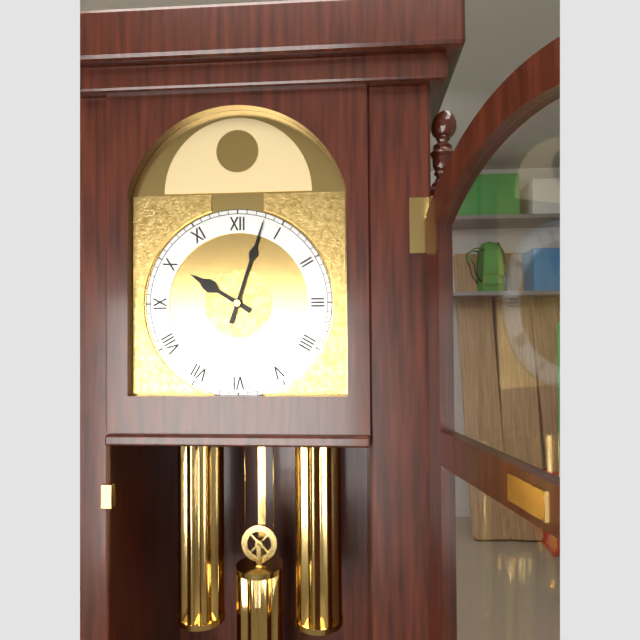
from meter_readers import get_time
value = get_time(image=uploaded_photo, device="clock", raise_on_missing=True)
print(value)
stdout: 10:03
